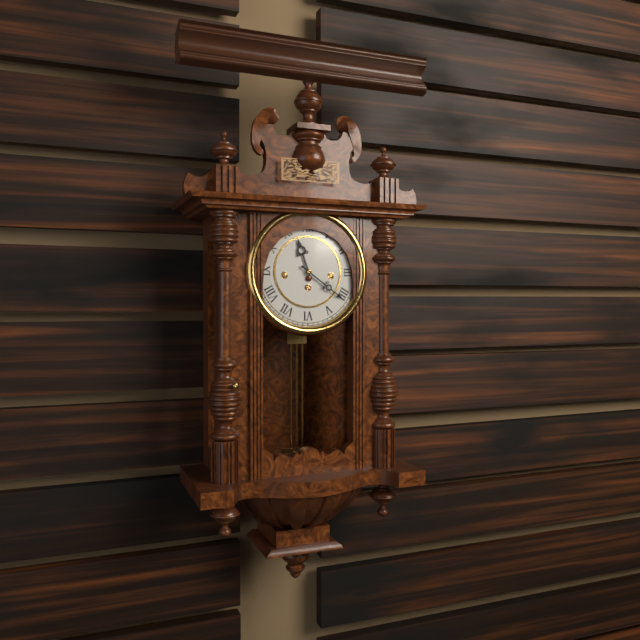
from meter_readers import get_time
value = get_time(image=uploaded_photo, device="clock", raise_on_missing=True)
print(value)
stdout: 11:21
